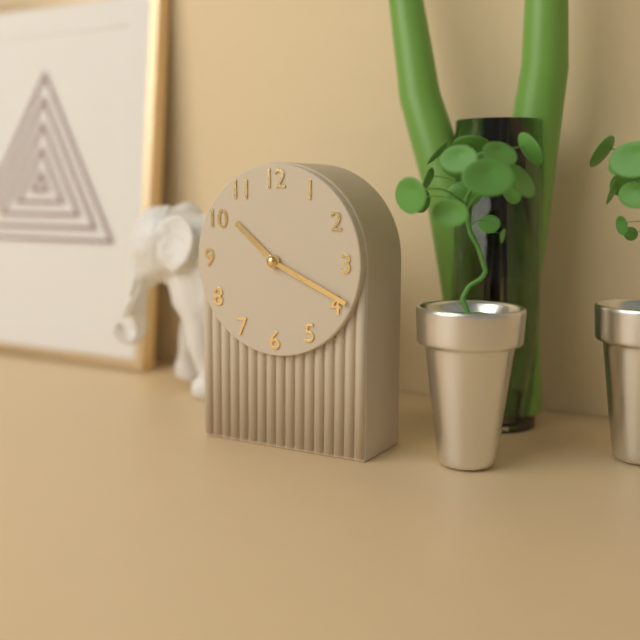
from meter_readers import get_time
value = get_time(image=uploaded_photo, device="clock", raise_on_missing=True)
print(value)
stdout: 10:19
